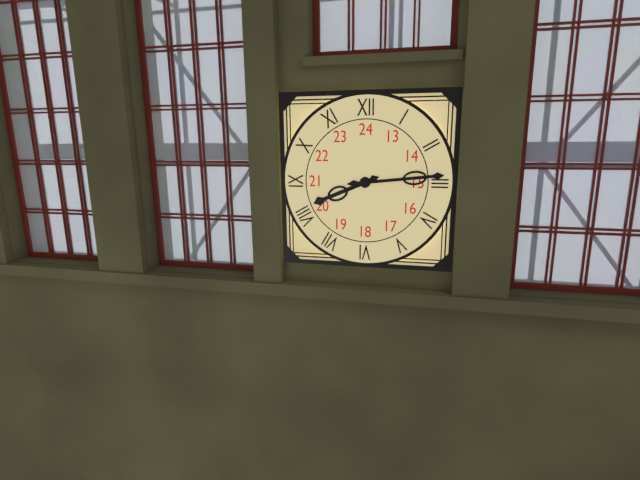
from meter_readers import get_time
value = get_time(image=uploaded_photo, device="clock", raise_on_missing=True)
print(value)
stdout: 8:14
